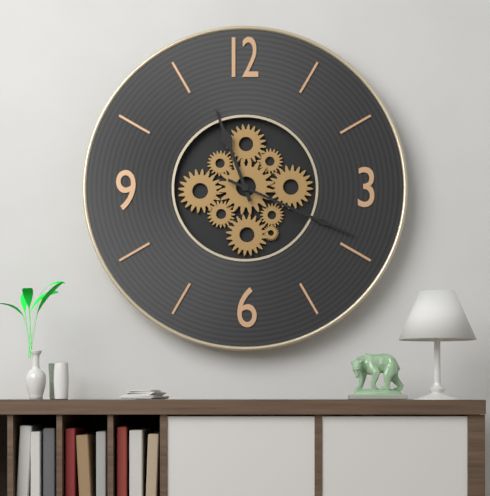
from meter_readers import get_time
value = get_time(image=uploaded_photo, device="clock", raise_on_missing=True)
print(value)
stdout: 11:19
